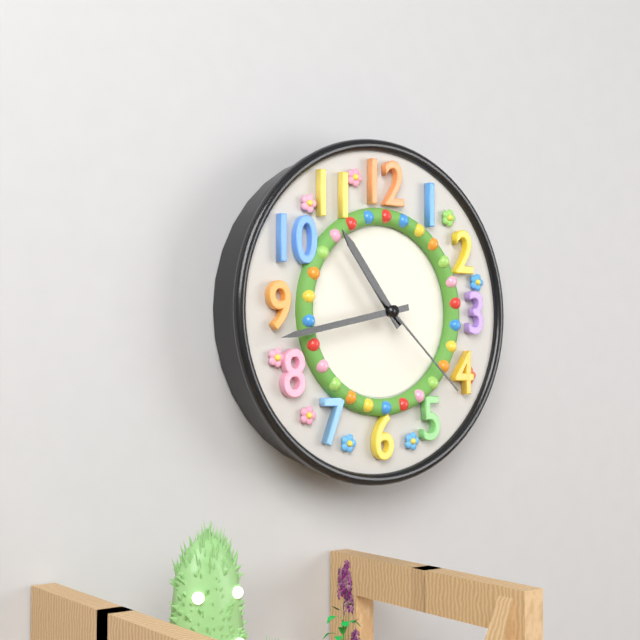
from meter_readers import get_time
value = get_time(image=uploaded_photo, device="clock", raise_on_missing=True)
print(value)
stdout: 10:43:22
